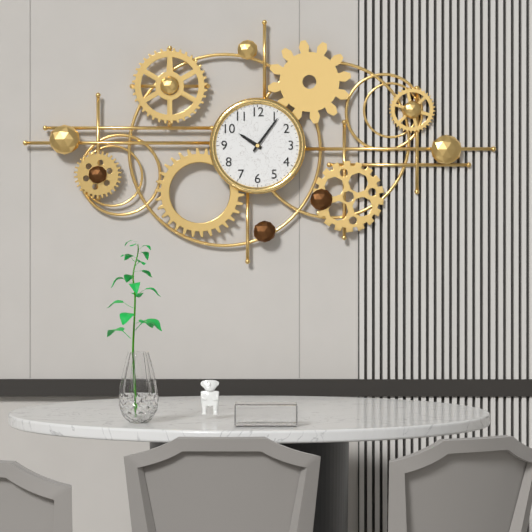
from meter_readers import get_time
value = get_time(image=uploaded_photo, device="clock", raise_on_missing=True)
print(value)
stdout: 10:06
